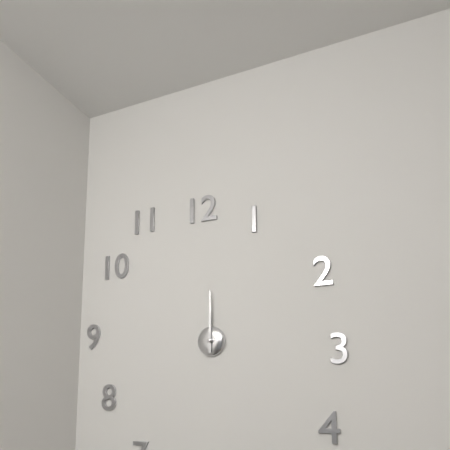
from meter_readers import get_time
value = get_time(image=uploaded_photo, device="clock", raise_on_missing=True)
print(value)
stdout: 12:00
